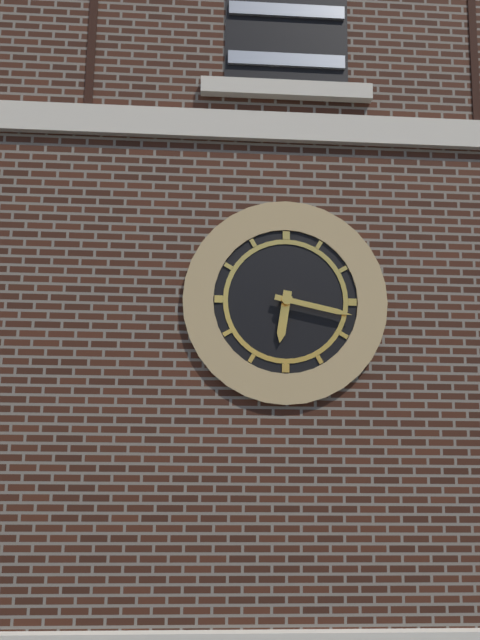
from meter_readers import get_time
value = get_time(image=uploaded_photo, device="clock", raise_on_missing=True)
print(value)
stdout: 6:17
